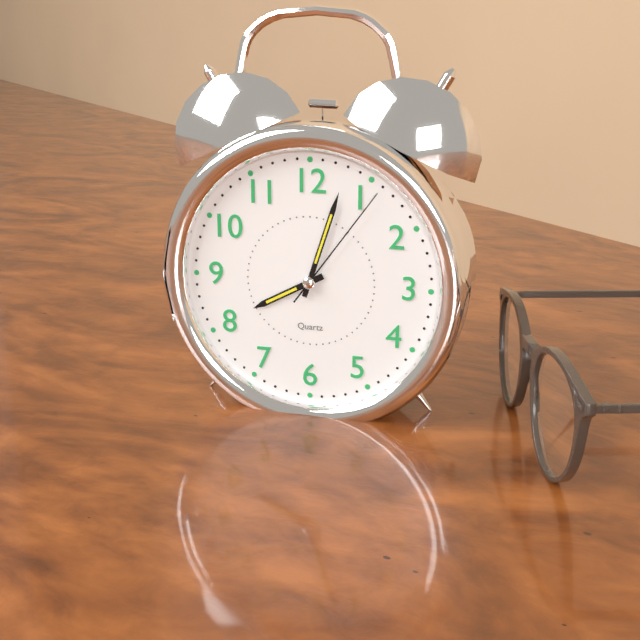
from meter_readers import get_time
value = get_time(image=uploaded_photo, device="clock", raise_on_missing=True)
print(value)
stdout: 8:03:06
